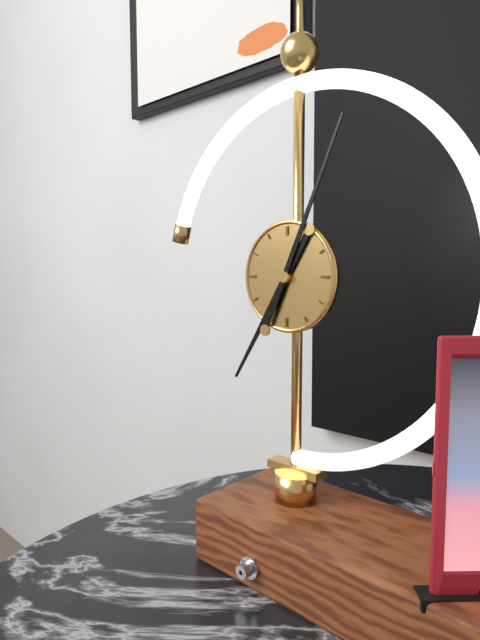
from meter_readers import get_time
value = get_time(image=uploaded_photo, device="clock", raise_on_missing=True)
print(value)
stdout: 7:04
